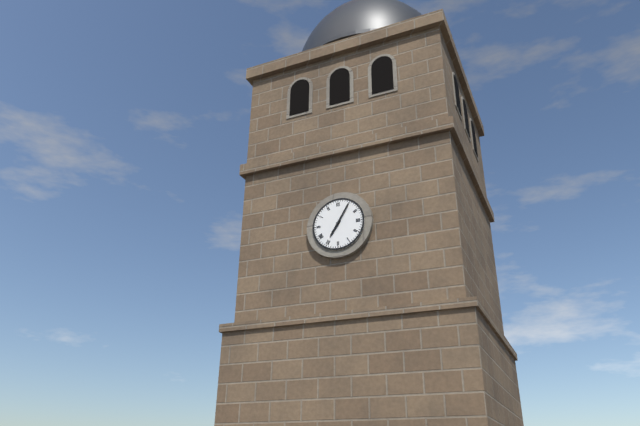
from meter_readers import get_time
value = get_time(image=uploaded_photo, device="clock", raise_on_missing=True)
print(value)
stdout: 7:05
